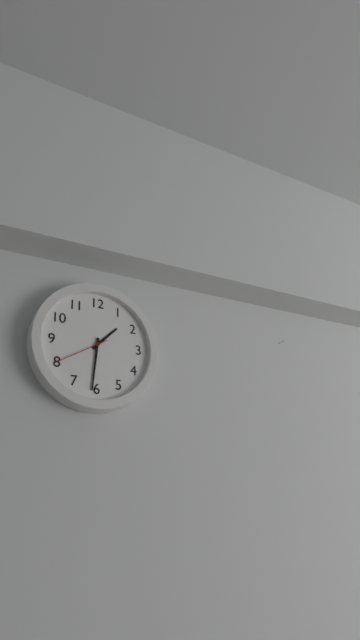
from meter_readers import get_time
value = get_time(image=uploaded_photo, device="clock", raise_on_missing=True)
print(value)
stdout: 1:31:40
